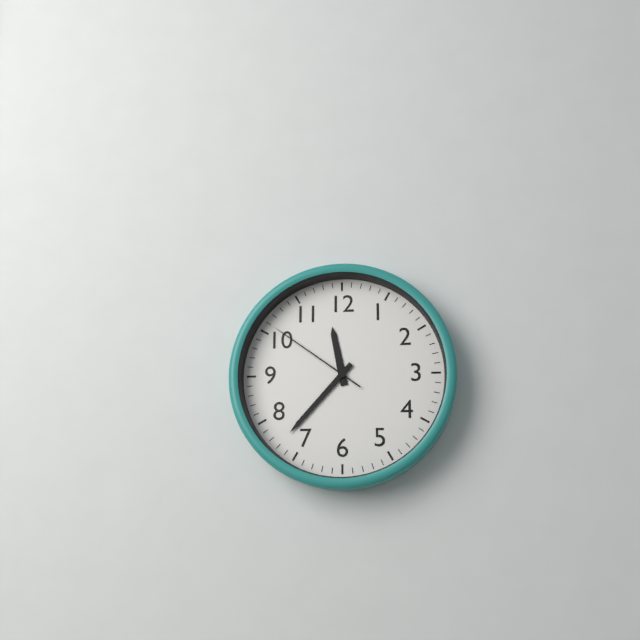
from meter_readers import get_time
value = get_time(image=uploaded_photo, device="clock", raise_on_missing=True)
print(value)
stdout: 11:37:51
